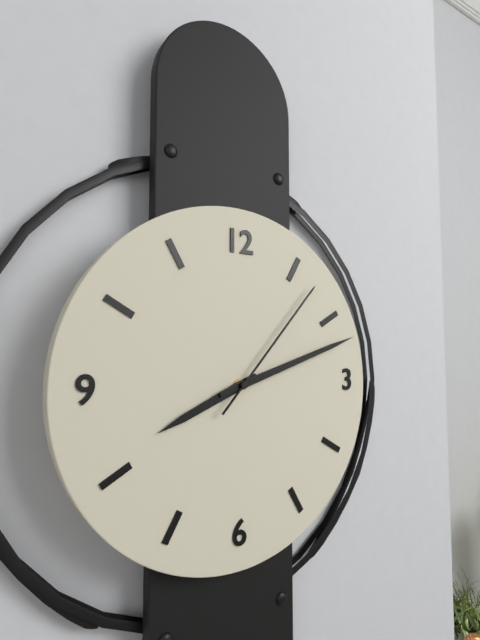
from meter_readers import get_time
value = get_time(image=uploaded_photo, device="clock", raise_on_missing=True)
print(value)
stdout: 8:12:07
